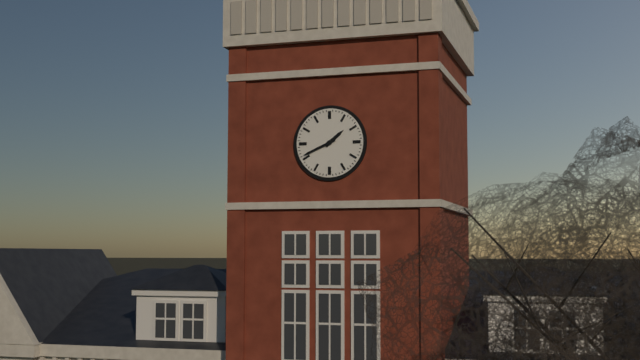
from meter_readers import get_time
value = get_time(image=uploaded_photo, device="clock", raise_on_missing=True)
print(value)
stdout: 1:41
